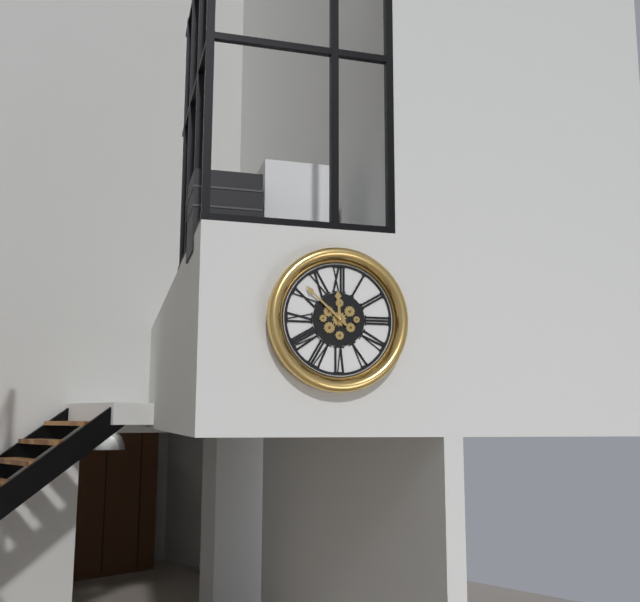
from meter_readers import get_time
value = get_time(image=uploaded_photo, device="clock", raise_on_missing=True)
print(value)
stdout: 11:52
